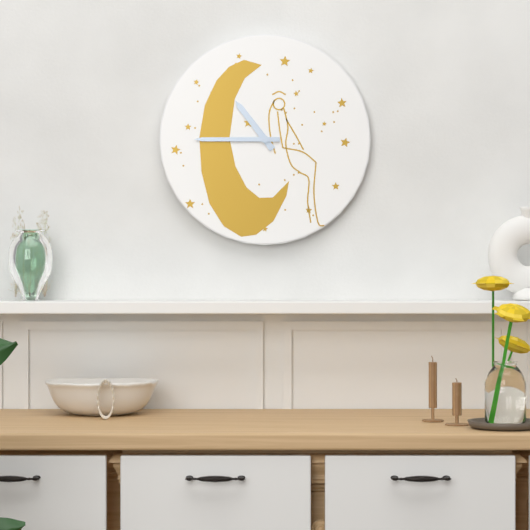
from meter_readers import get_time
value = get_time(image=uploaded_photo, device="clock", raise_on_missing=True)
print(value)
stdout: 10:45
